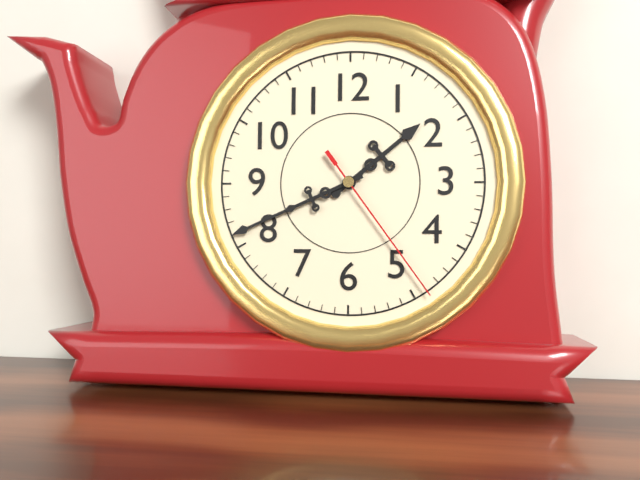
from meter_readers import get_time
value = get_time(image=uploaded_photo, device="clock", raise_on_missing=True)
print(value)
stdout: 1:41:24
